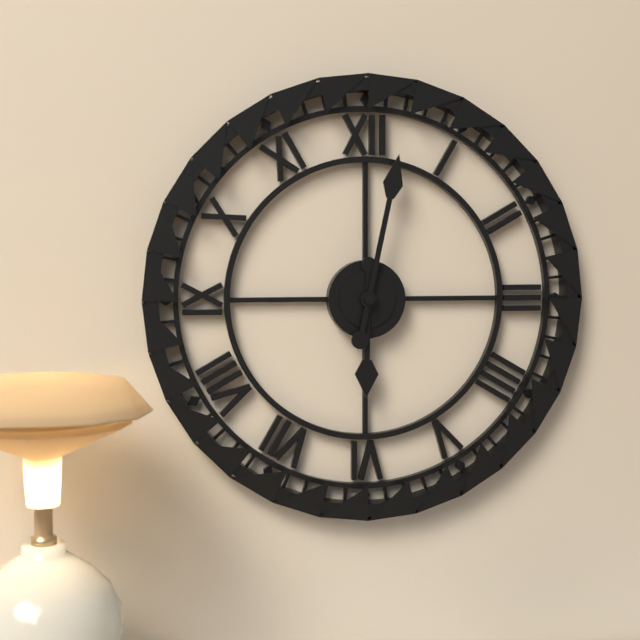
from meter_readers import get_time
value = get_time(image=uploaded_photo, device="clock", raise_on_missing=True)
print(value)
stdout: 6:02
